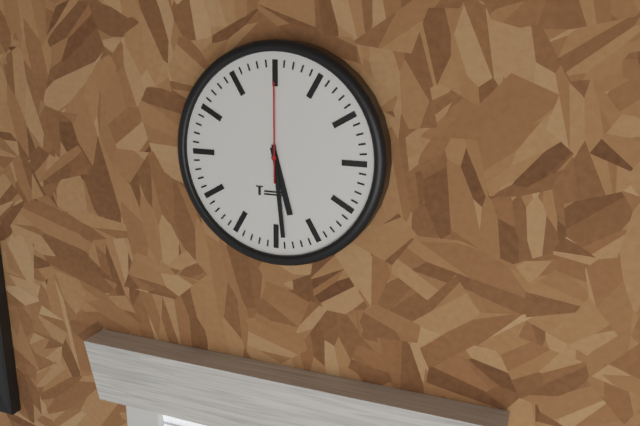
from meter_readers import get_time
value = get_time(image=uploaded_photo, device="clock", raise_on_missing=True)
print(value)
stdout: 5:29:00
